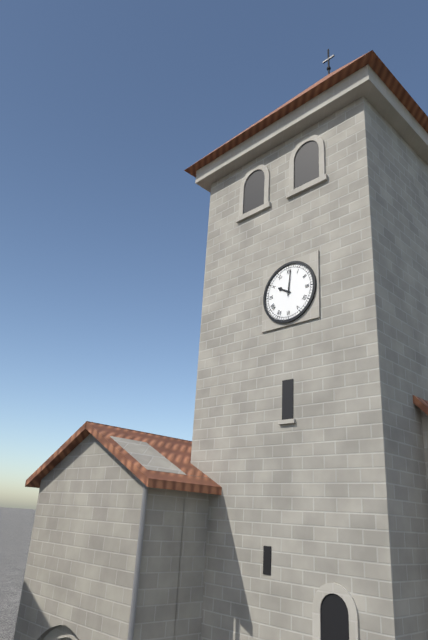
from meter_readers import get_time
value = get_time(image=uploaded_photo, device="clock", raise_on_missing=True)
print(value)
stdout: 10:01
